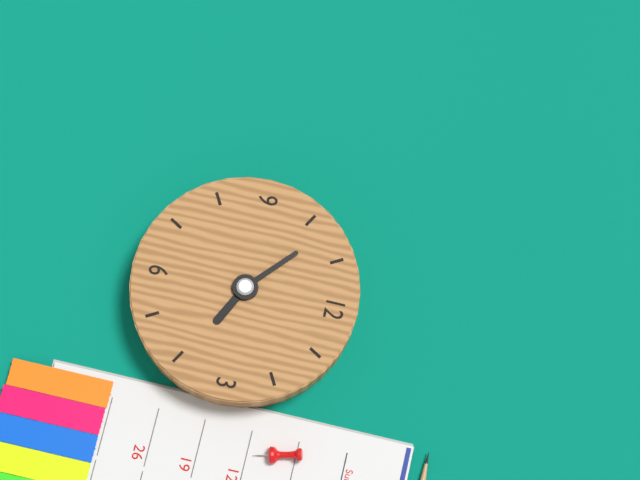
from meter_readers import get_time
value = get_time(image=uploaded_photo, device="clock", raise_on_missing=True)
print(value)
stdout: 3:52
